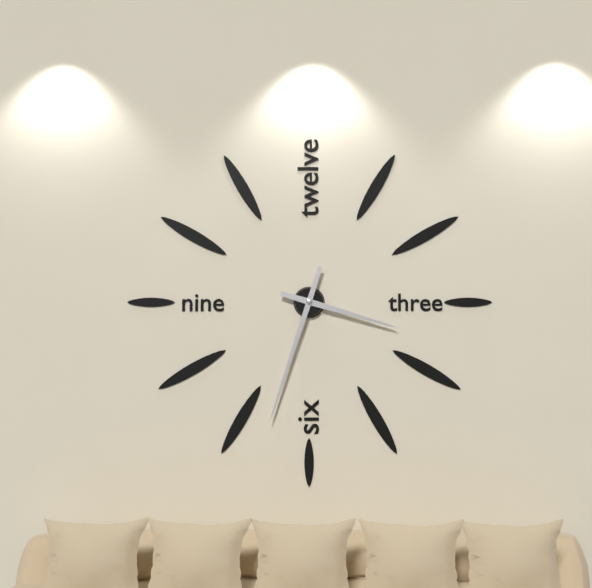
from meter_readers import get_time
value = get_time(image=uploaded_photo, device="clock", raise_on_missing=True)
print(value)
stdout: 3:33
